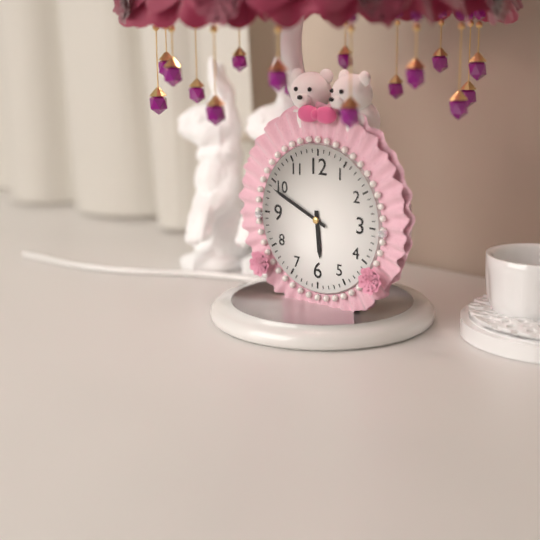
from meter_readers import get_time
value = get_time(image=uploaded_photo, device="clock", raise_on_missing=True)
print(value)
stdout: 5:49
